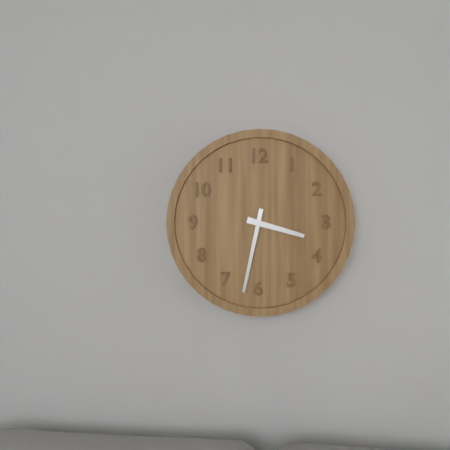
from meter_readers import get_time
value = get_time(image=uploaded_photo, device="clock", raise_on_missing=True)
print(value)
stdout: 3:32
